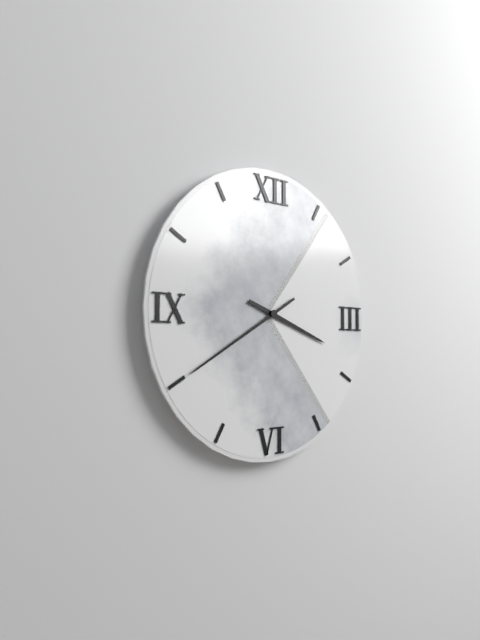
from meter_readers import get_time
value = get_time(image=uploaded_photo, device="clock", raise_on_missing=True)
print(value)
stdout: 3:40
